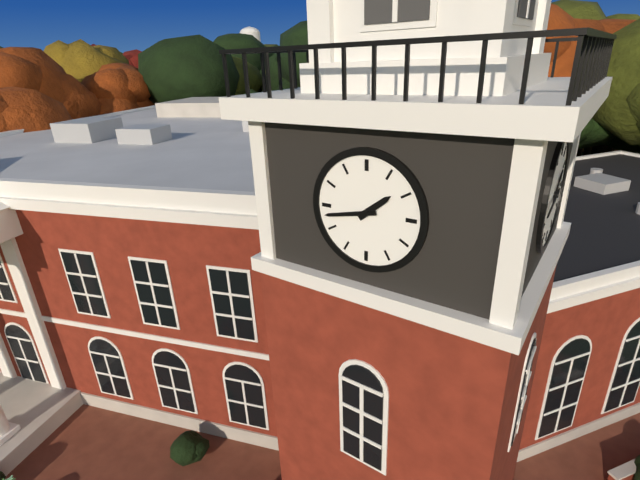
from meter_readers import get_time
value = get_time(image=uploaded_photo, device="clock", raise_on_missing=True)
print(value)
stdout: 1:43
